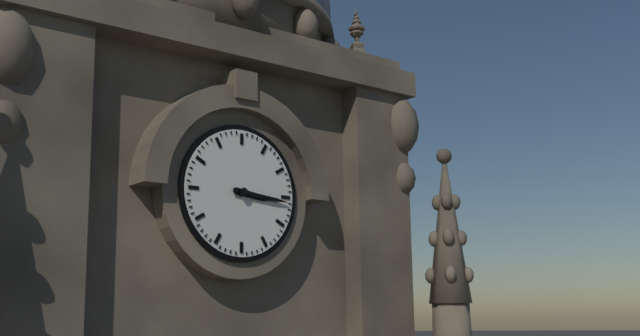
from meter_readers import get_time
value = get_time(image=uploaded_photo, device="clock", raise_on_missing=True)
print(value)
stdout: 3:16
